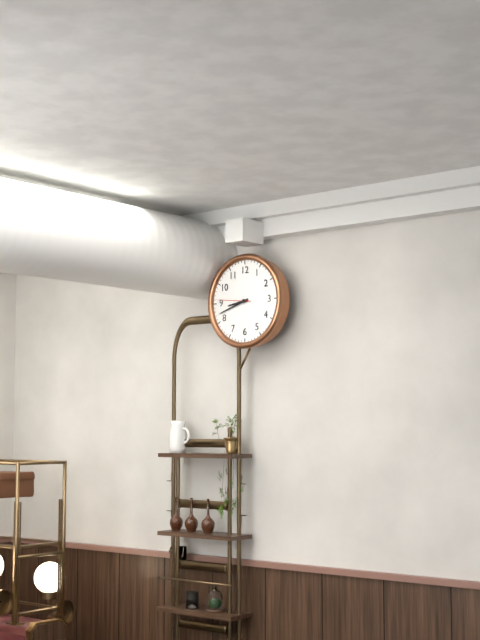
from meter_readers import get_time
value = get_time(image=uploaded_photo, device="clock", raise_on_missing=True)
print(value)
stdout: 8:42
